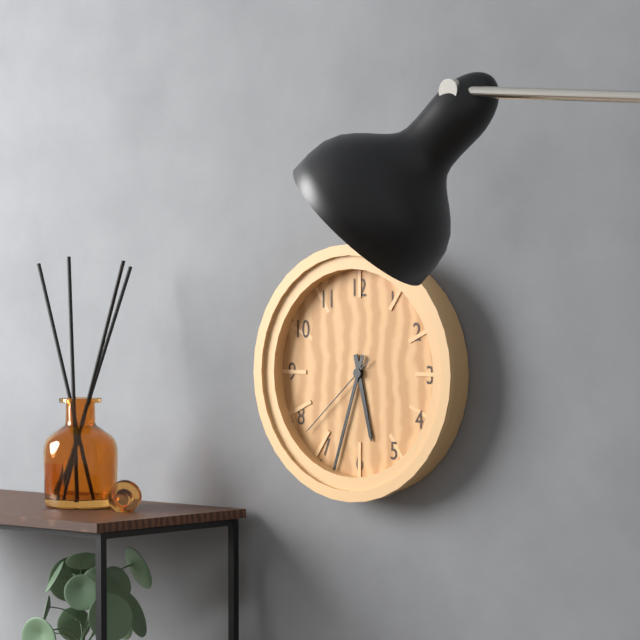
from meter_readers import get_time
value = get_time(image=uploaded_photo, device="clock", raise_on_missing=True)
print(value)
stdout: 5:33:38
